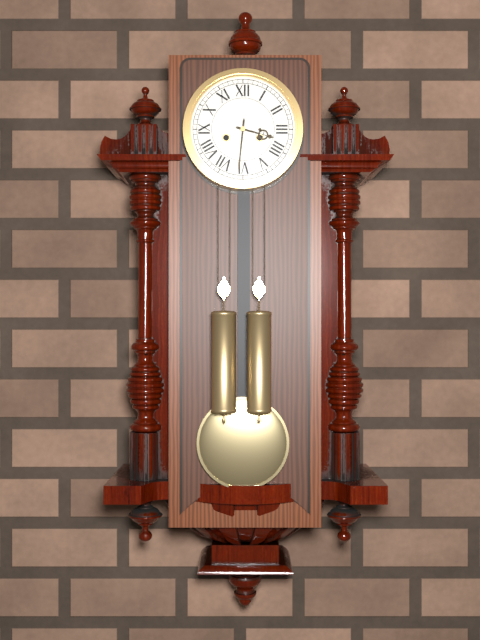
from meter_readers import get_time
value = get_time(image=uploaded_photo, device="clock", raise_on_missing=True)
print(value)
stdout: 3:31
